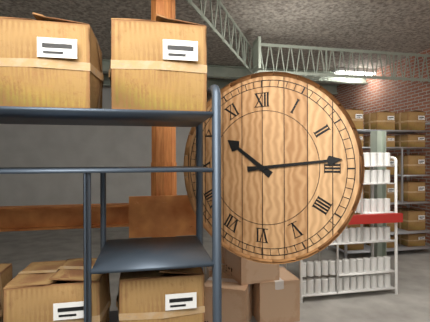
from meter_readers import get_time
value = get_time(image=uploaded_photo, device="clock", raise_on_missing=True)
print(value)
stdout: 10:14
